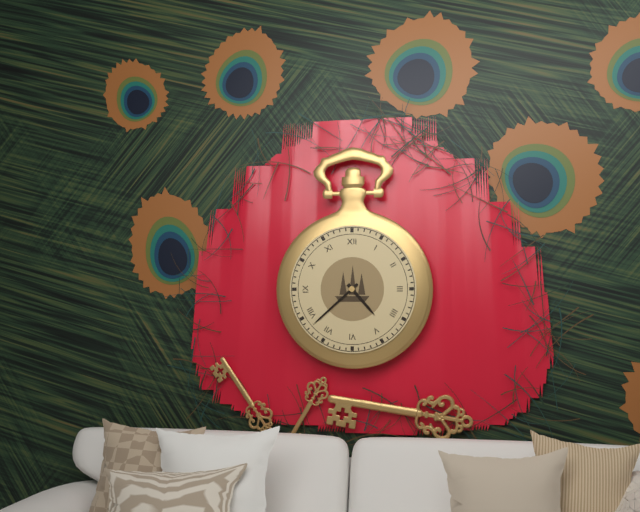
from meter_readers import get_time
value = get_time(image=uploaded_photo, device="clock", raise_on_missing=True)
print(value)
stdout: 4:38
